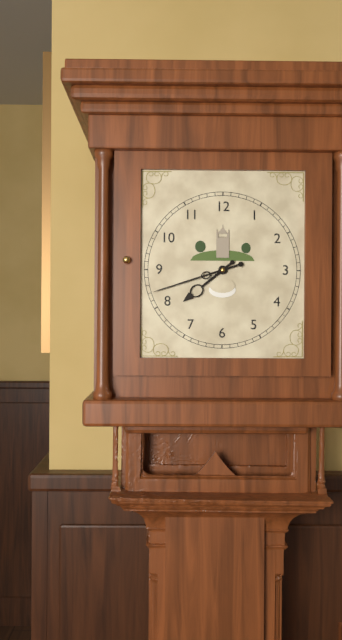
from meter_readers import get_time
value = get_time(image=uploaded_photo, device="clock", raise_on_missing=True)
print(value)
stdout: 7:42
